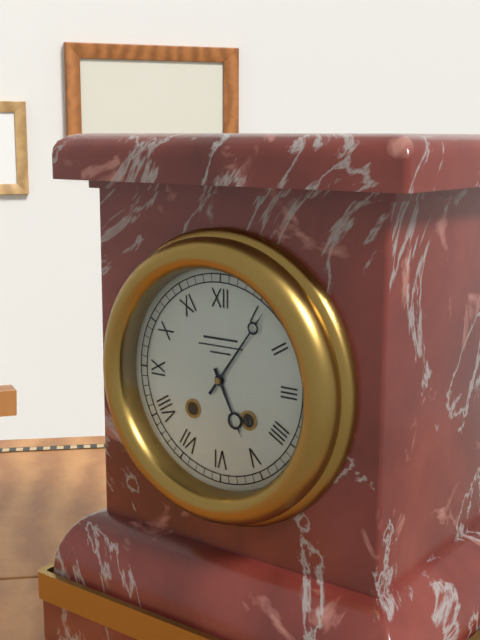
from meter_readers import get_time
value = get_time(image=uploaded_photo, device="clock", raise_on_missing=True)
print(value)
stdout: 5:06
